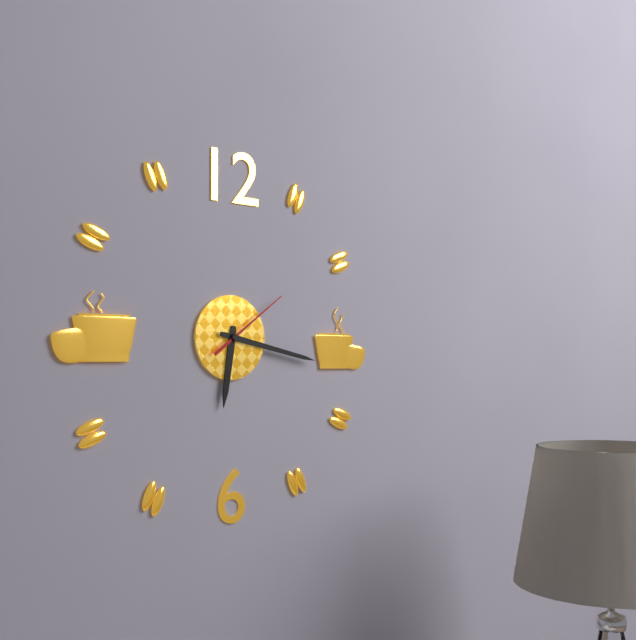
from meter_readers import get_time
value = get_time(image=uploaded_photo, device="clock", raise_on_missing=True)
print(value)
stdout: 6:17:09
